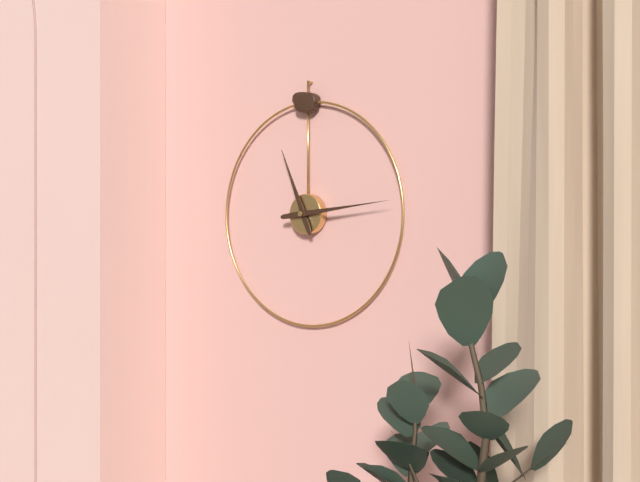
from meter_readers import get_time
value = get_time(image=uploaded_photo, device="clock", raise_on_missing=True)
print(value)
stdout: 11:14
